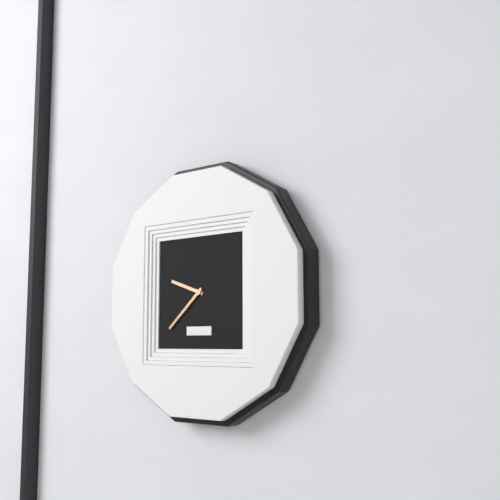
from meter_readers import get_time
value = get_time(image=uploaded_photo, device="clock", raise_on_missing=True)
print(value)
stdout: 9:38
